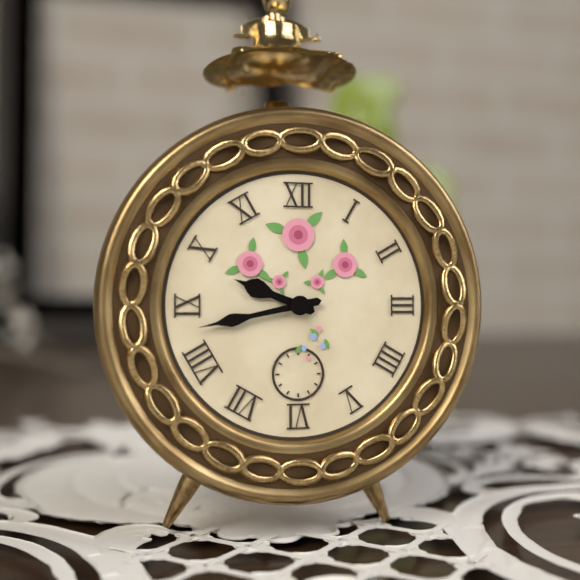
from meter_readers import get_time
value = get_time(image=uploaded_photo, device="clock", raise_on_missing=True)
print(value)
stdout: 9:43
